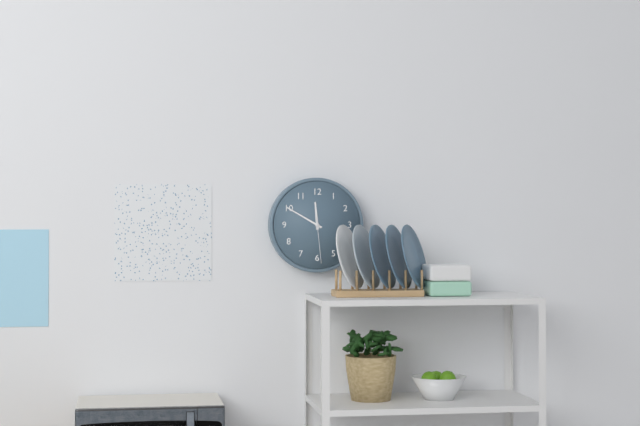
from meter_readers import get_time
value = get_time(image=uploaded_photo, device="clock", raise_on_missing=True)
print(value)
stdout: 11:50
